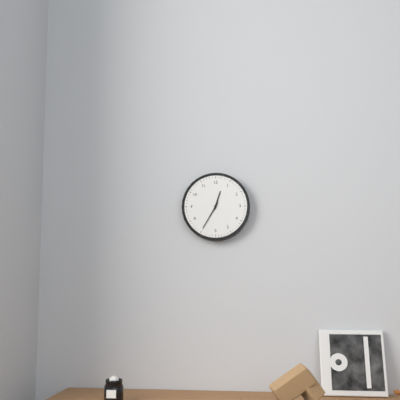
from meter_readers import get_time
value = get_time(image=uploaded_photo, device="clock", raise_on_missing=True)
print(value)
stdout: 12:35
